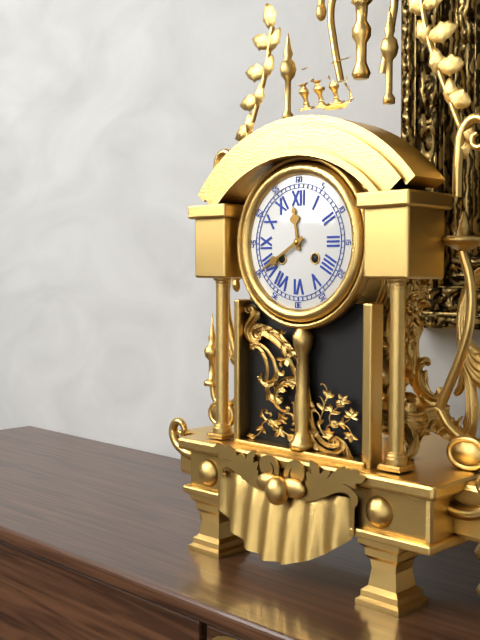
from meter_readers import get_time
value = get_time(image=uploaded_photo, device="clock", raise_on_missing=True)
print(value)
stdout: 11:40
